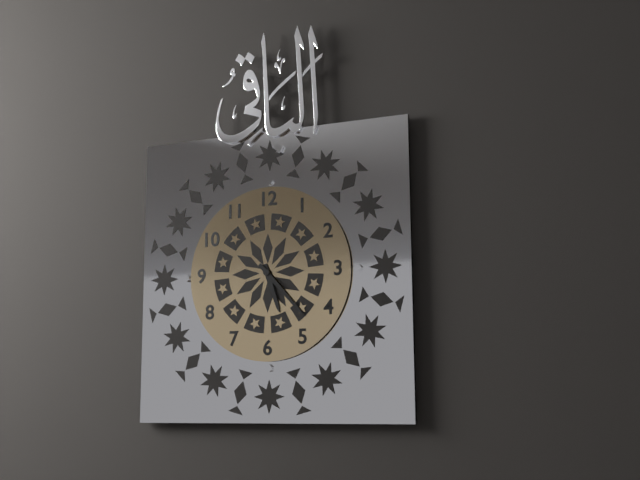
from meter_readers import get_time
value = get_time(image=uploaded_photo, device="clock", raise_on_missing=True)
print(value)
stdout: 5:23
